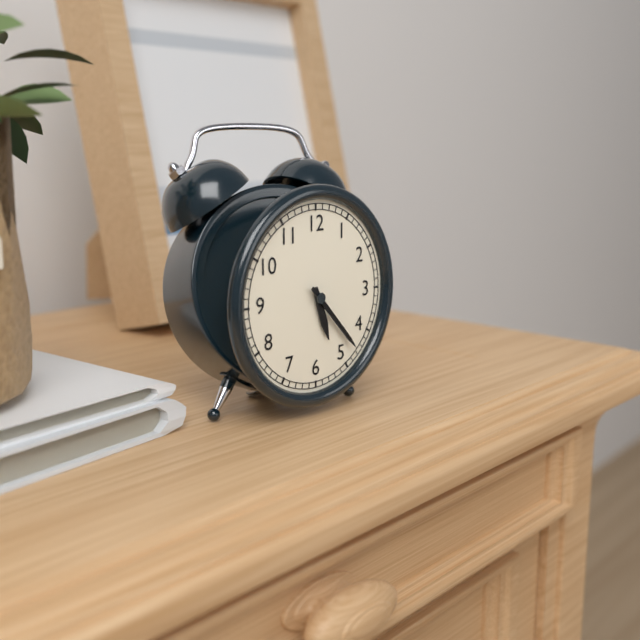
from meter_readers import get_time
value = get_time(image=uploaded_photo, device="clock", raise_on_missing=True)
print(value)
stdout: 5:23
